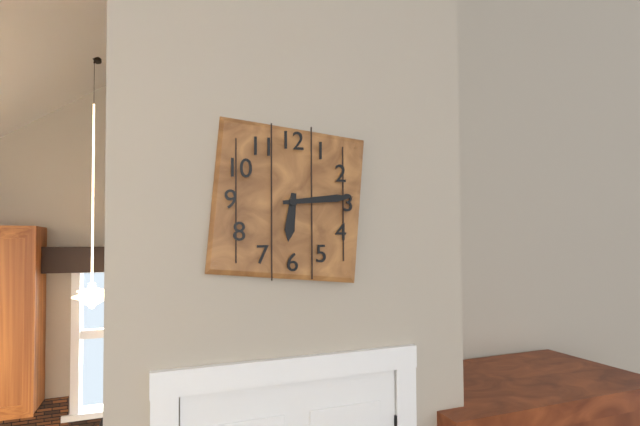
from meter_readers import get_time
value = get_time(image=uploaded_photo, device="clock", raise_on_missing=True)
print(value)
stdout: 6:14
